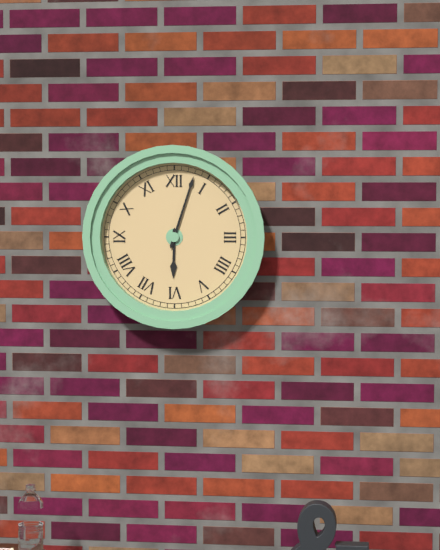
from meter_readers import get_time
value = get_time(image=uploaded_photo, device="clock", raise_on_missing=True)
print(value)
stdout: 6:03
